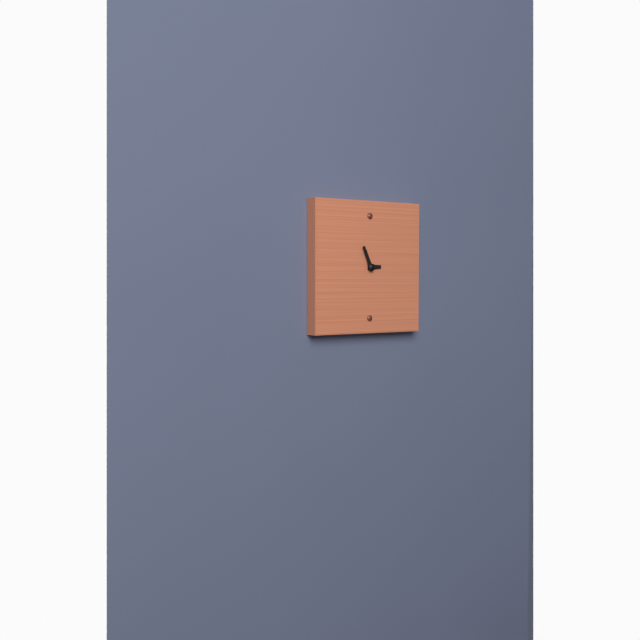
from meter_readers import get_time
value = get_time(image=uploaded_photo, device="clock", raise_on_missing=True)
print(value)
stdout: 2:56
